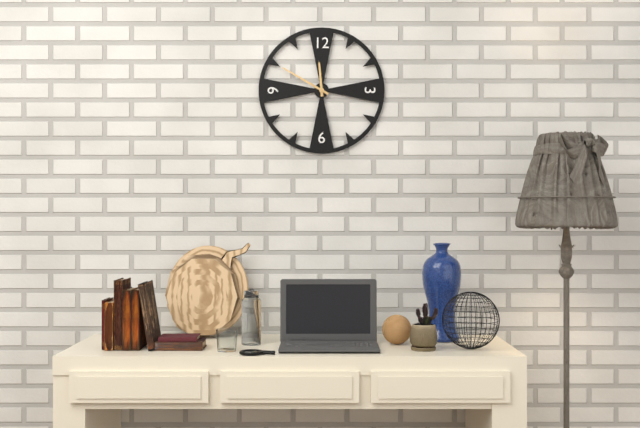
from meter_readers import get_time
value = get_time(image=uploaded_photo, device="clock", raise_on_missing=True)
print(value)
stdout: 11:50
